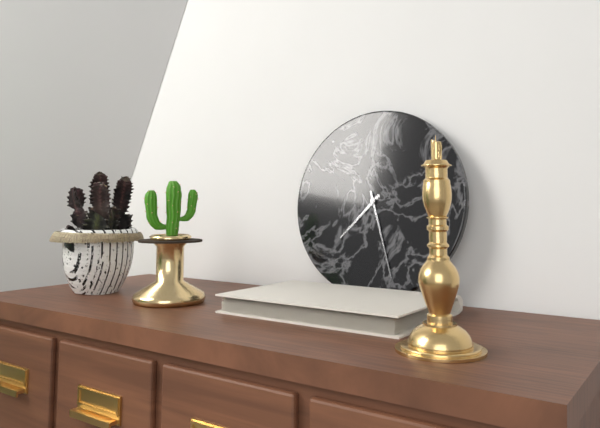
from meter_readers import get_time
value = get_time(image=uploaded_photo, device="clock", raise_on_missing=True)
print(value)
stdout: 7:27
